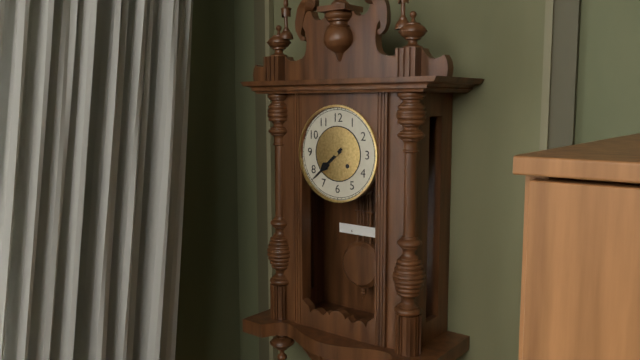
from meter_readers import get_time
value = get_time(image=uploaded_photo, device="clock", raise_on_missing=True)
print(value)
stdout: 7:38
